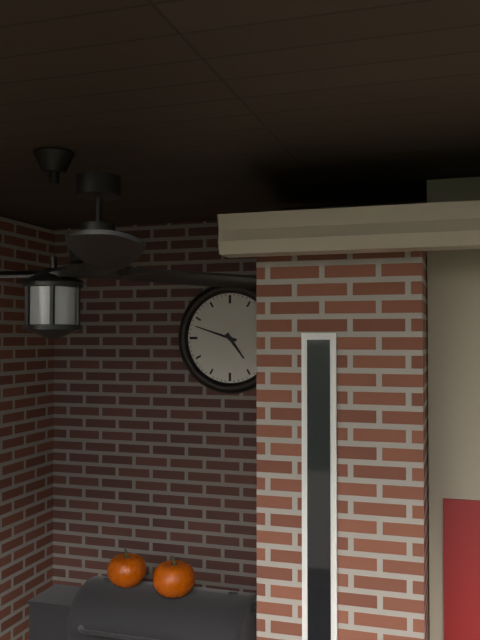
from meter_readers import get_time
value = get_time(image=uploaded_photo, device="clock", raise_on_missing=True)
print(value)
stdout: 4:48
